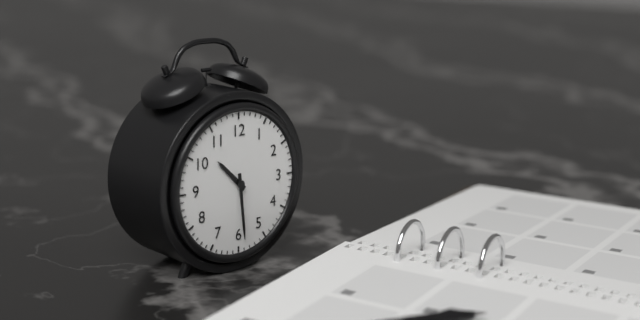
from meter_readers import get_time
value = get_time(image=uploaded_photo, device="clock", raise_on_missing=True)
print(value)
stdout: 10:29
